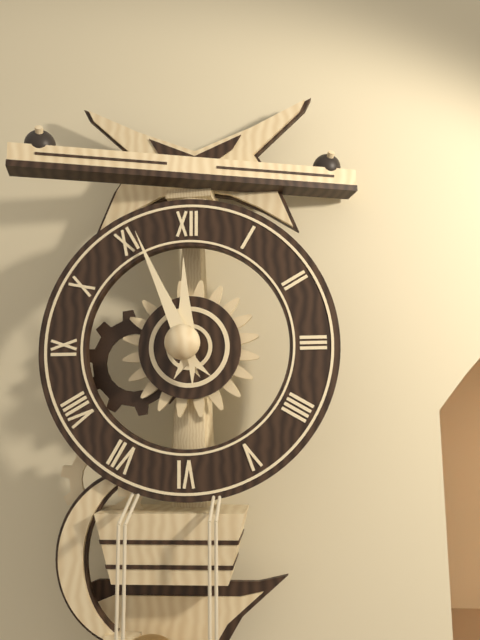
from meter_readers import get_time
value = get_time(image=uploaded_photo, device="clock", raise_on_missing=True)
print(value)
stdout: 11:56
